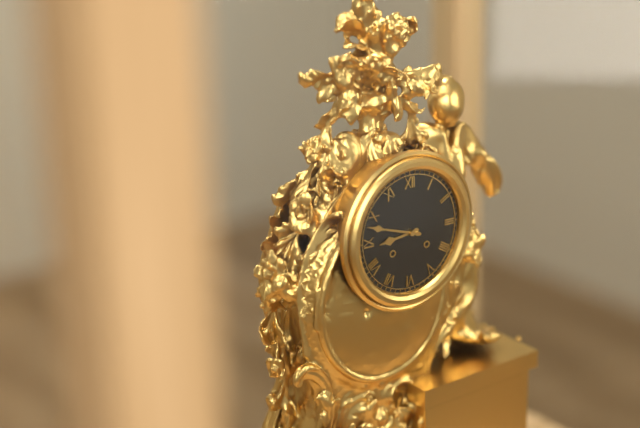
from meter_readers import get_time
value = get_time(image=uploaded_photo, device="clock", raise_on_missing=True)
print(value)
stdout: 8:48
